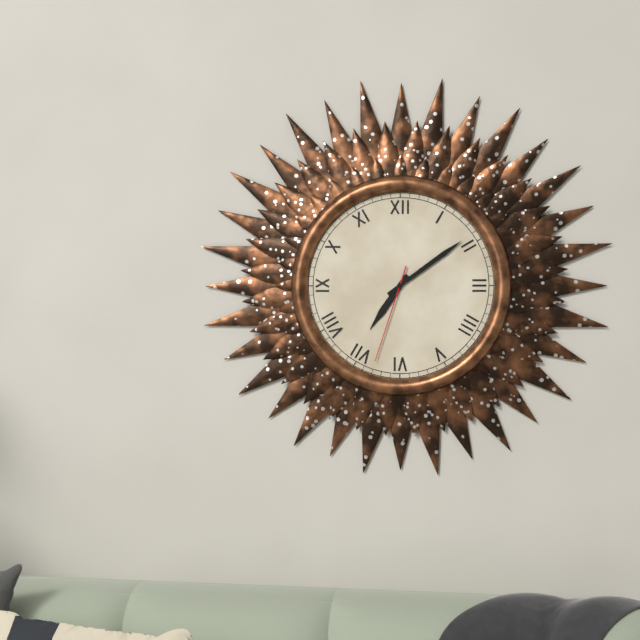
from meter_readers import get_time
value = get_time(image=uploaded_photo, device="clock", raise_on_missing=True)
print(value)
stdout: 7:09:33
